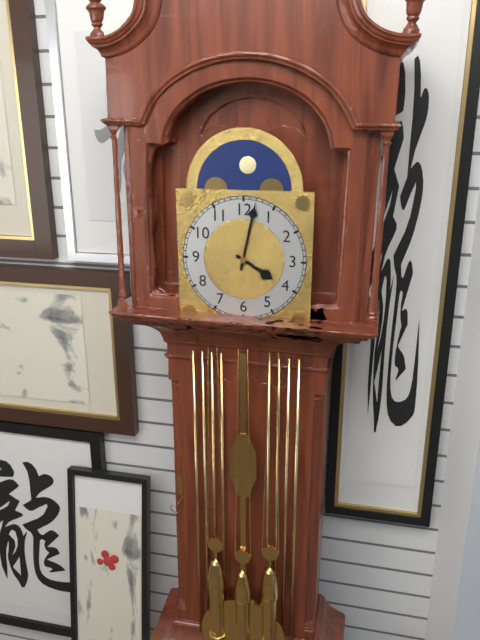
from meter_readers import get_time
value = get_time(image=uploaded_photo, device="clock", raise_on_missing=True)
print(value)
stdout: 4:02
